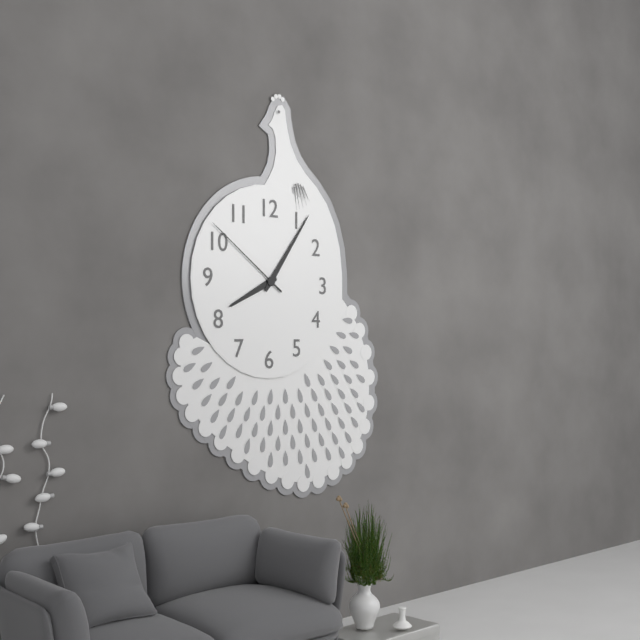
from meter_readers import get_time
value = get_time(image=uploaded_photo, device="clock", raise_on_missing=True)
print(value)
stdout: 8:06:51
